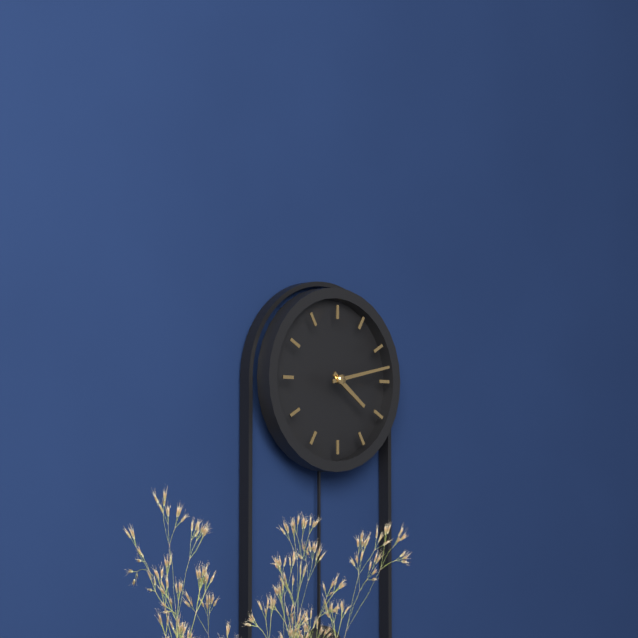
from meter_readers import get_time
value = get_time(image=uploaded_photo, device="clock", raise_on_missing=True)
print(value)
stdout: 4:13
